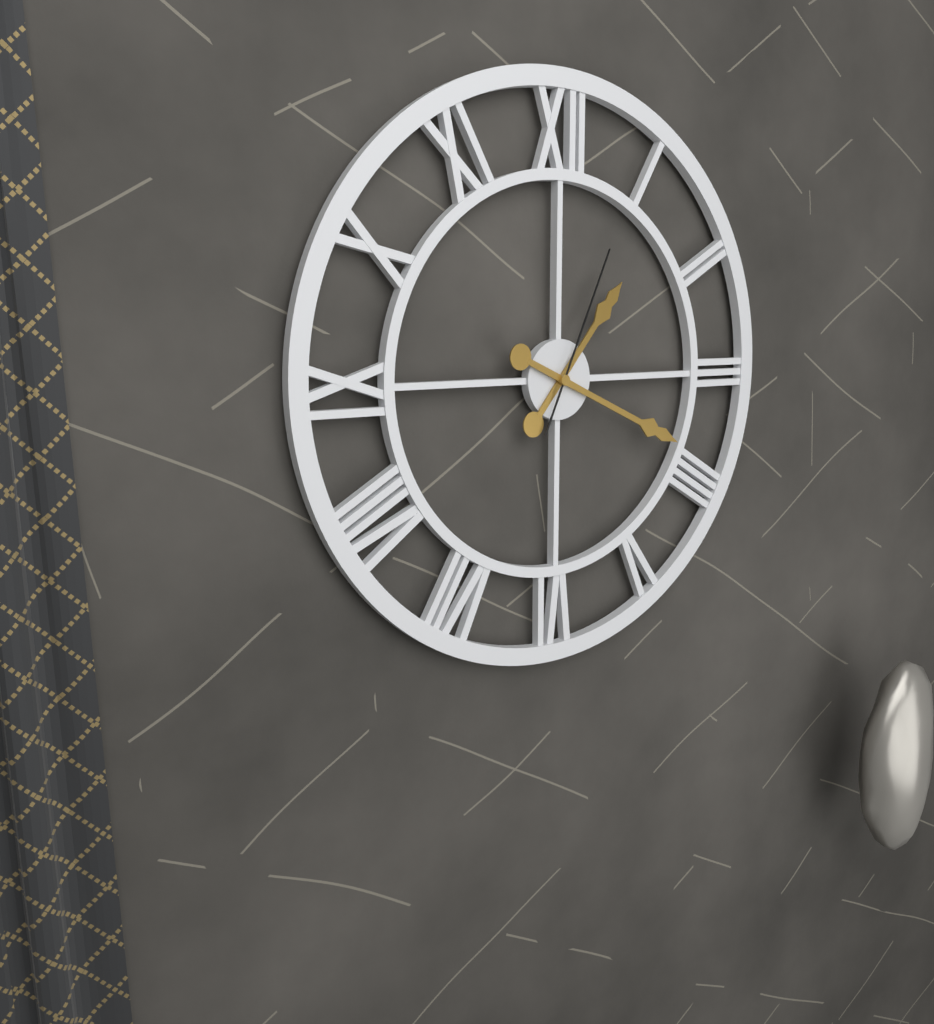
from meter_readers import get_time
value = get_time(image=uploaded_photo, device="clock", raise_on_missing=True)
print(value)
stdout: 1:19:04
